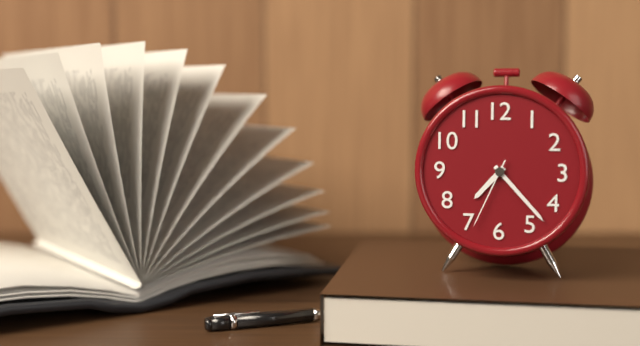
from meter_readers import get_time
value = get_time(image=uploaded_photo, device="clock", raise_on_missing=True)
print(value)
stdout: 7:23:34
